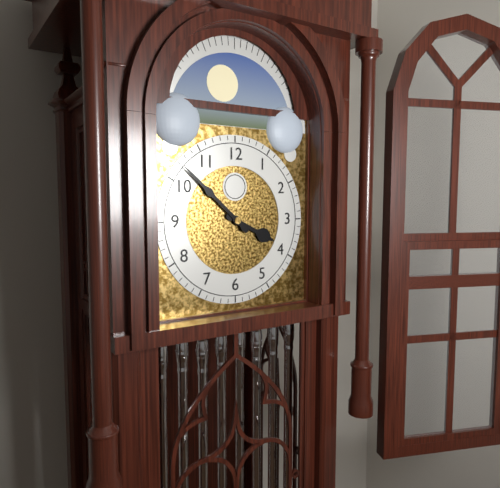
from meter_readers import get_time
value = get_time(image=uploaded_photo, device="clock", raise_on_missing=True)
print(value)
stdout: 3:52
